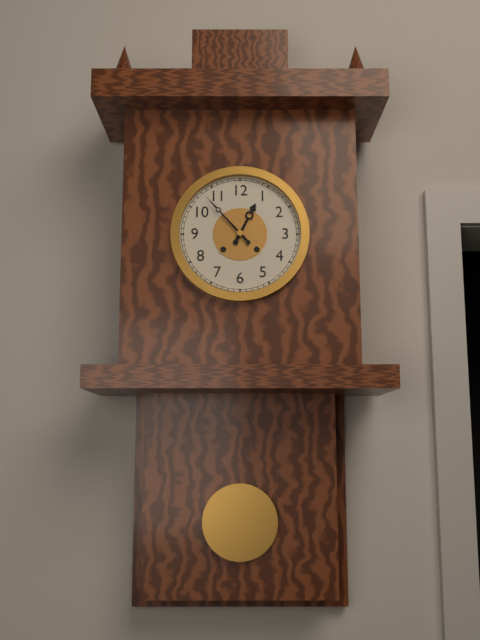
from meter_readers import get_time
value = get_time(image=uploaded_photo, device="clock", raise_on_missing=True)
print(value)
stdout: 12:53
